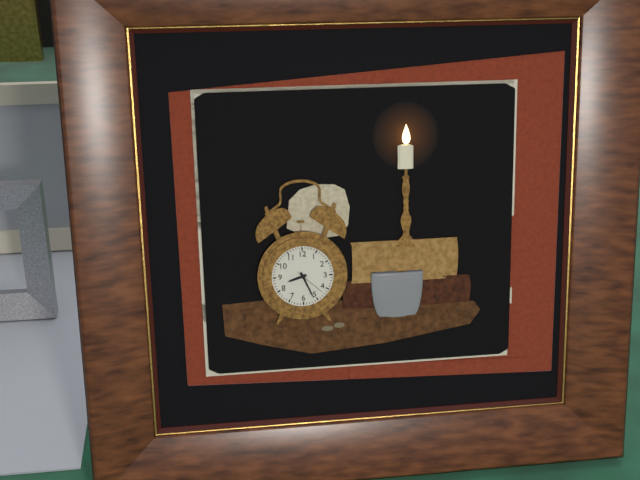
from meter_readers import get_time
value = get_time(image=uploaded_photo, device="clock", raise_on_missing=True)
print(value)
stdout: 8:26
